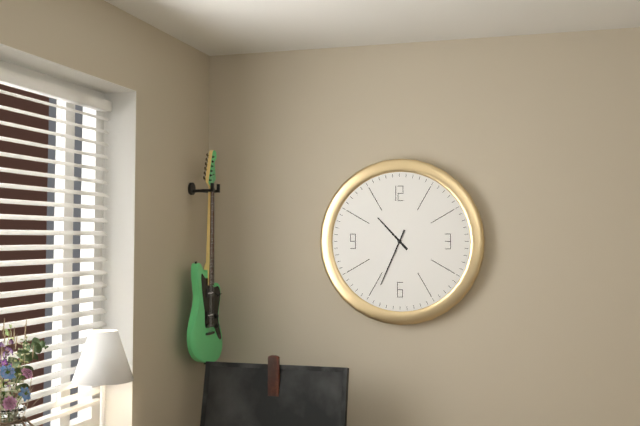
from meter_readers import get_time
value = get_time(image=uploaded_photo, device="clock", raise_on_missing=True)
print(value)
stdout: 10:34
